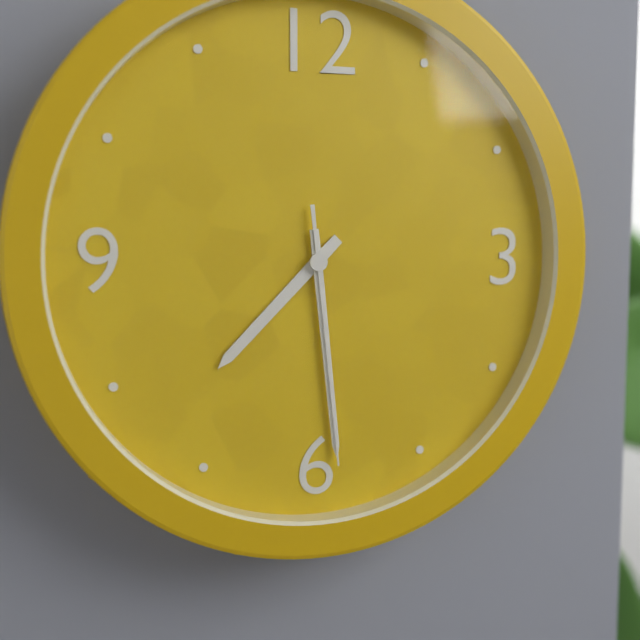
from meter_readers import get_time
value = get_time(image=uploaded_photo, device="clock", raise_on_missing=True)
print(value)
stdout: 7:29:29
